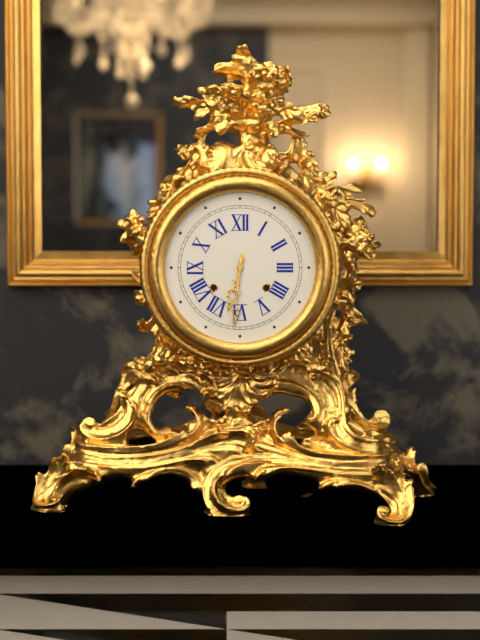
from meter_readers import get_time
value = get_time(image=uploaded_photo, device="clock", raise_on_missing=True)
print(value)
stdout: 6:31
